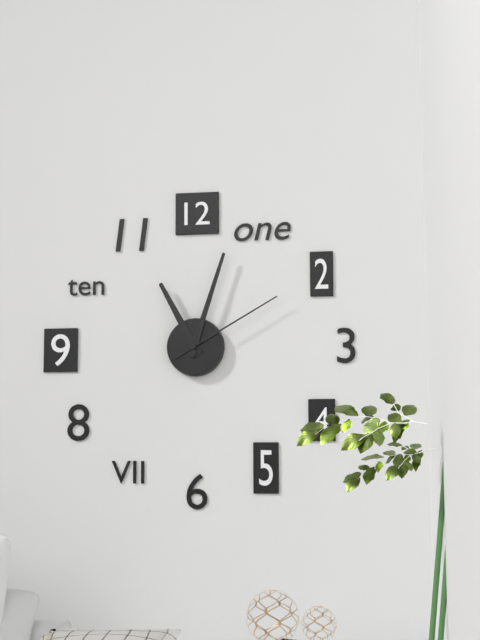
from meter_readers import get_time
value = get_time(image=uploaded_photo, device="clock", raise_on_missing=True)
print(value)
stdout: 11:03:10
